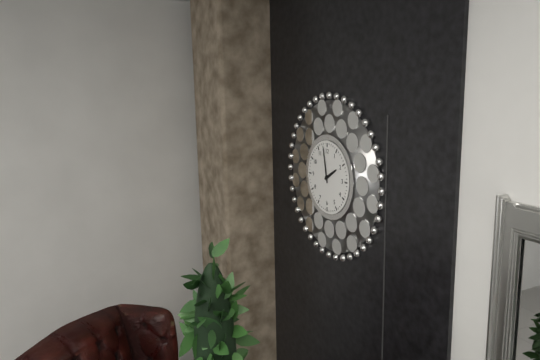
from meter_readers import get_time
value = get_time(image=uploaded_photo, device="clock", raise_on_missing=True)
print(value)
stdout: 1:58
